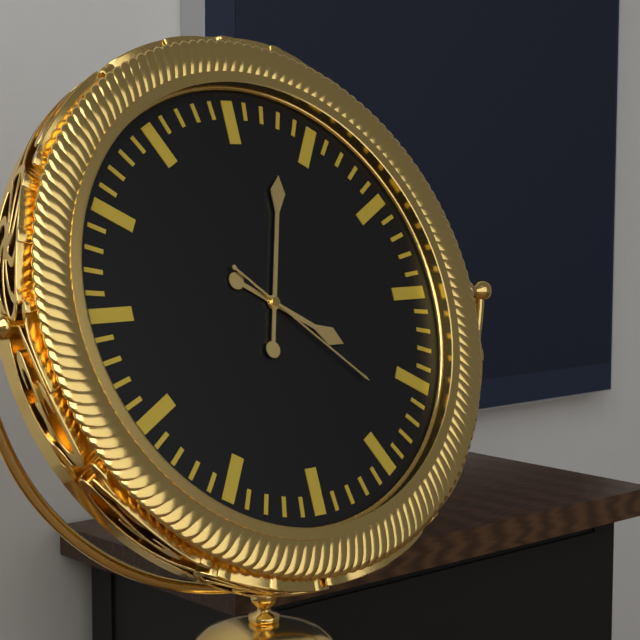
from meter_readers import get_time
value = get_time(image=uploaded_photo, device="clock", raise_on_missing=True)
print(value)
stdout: 4:03:22
